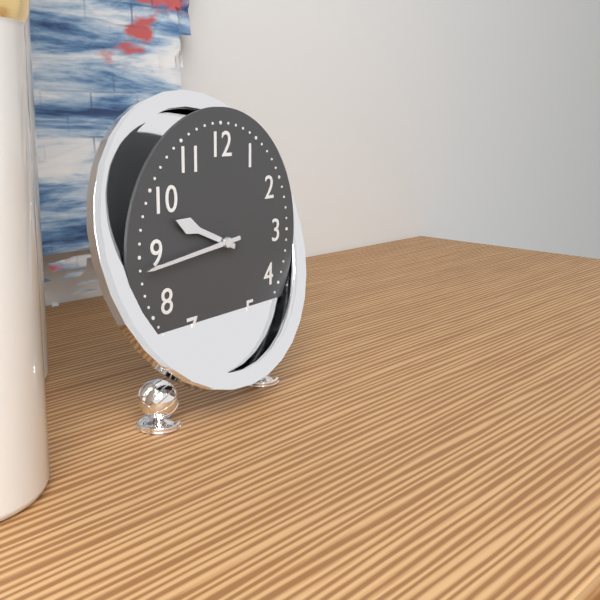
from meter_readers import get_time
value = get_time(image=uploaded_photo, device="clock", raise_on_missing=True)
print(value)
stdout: 9:44
